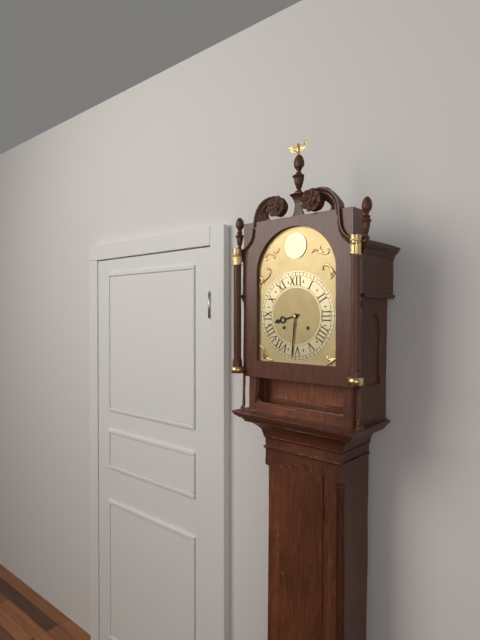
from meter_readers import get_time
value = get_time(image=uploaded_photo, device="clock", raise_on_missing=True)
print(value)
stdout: 8:31
